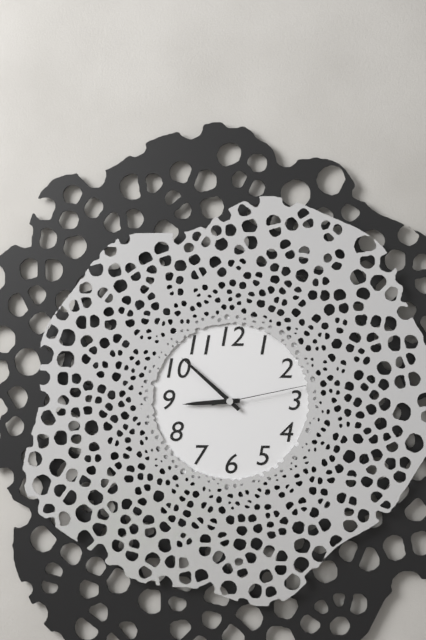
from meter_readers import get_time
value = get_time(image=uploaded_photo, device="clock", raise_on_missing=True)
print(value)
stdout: 8:52:13
